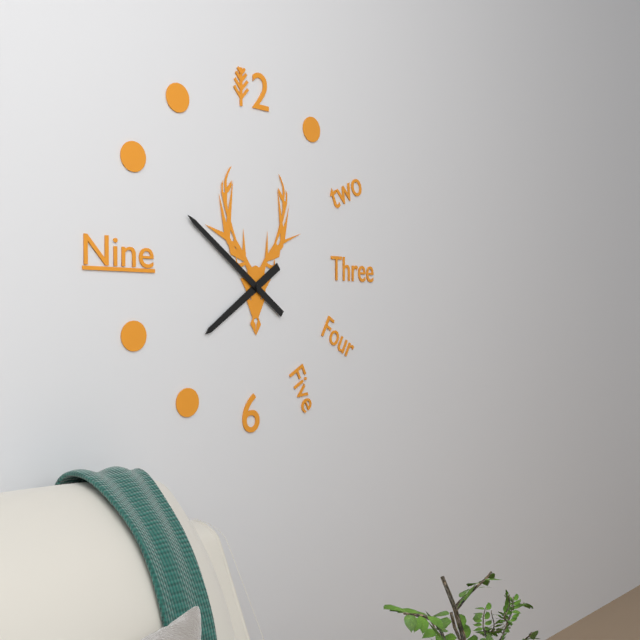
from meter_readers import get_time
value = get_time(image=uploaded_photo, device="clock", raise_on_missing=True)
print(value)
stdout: 7:51
